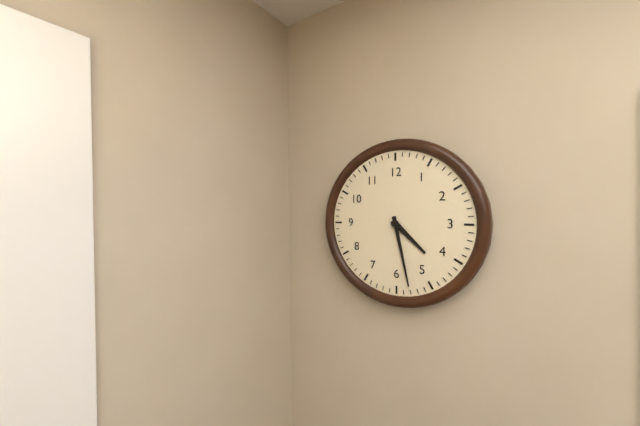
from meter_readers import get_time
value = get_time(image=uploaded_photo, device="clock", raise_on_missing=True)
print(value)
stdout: 4:28
